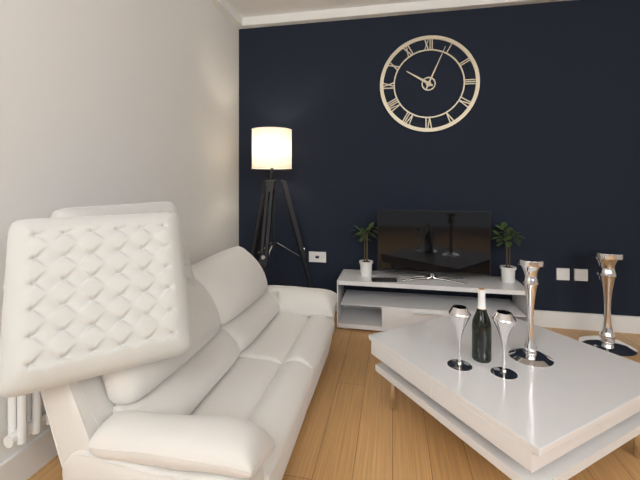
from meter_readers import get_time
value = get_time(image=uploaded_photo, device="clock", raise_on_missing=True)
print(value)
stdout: 10:04
